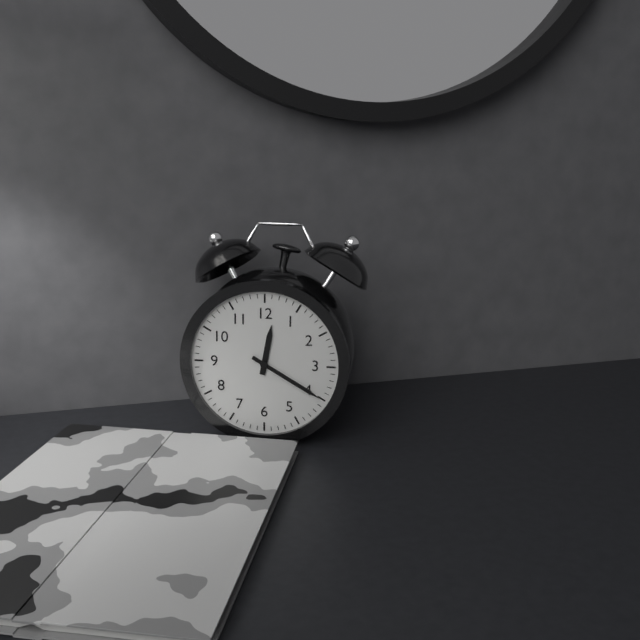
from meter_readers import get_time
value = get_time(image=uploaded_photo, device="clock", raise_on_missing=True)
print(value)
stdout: 12:20
